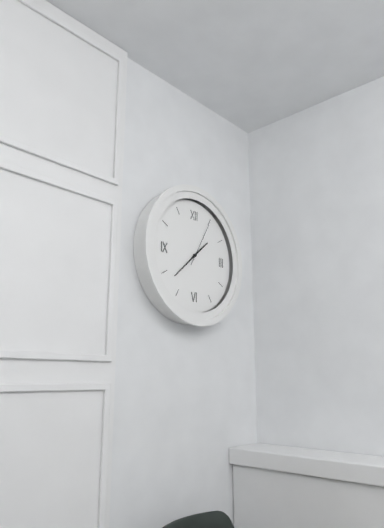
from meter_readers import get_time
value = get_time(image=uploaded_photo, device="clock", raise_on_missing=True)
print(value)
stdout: 1:38
